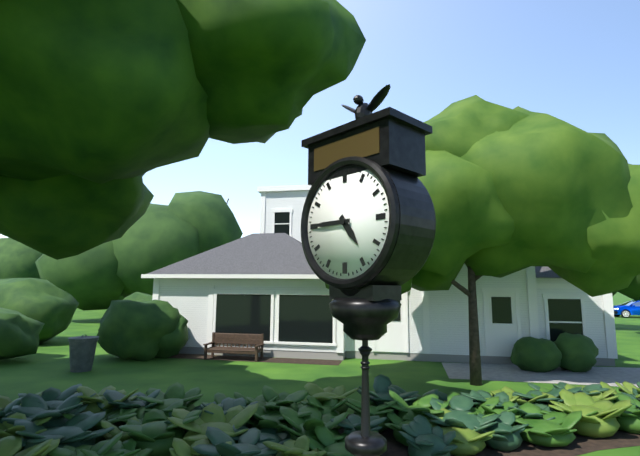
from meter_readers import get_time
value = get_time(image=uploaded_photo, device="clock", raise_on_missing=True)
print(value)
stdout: 4:45
